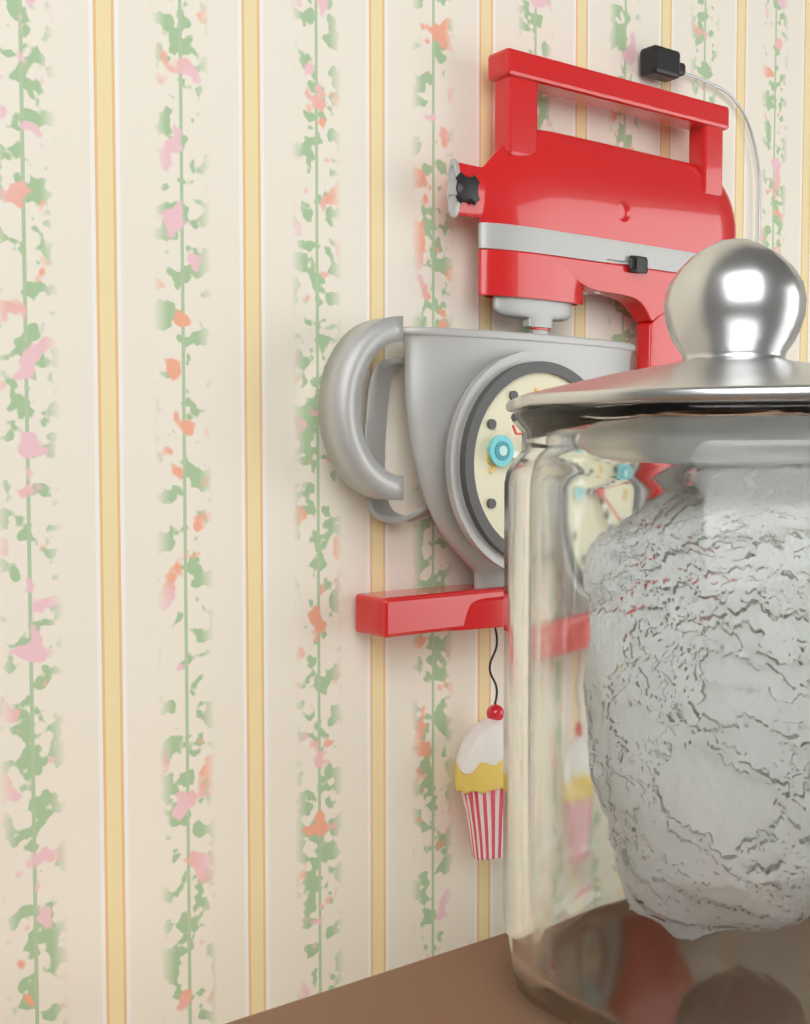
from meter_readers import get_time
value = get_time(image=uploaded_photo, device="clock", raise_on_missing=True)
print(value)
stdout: 9:24:21
